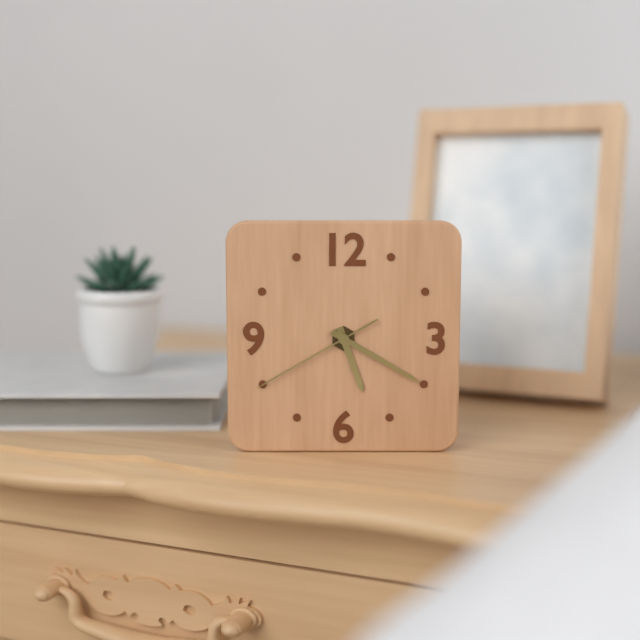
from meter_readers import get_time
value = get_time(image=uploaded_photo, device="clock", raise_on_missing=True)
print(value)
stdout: 5:20:40
